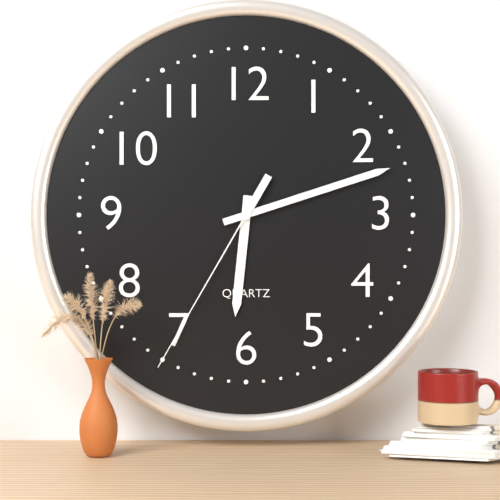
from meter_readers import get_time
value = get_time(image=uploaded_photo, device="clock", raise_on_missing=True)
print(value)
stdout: 6:12:35
